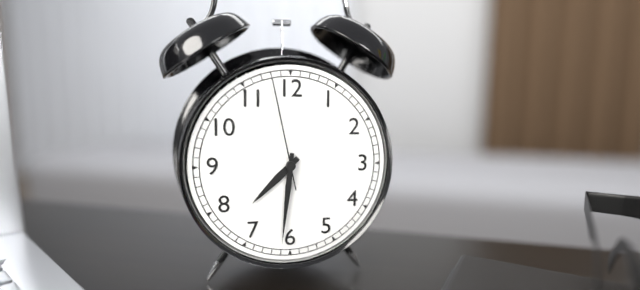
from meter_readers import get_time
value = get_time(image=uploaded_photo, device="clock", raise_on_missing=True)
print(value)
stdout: 7:31:58
